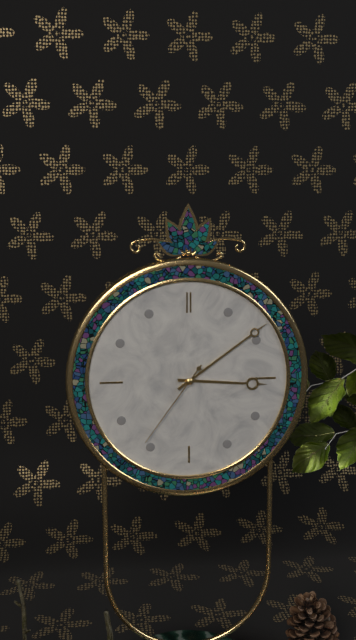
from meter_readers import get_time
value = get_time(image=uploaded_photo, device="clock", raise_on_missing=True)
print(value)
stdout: 3:09:36
